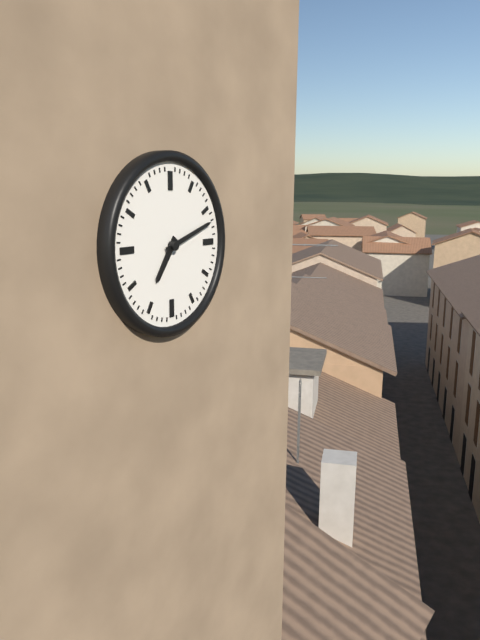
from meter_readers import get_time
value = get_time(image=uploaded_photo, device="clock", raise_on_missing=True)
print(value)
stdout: 7:12
